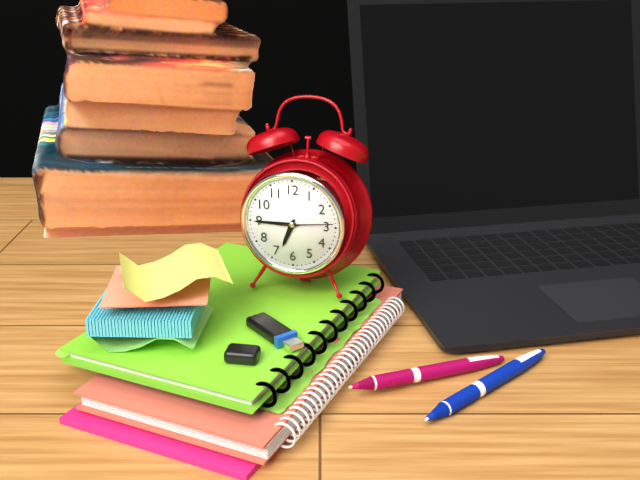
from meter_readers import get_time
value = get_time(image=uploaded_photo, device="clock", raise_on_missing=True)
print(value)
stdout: 6:45:14
